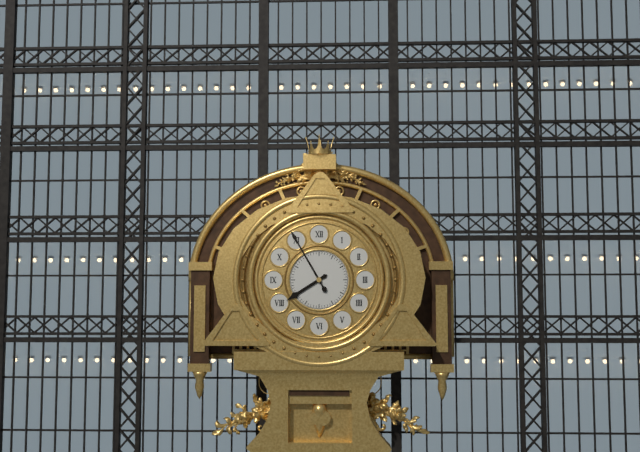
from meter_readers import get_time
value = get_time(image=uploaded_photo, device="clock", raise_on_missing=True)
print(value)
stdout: 7:55
